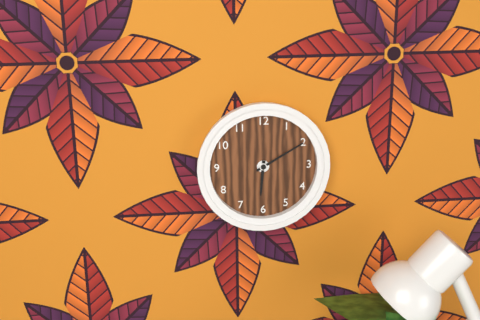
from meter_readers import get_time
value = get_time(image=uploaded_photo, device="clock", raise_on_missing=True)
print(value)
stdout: 6:10
